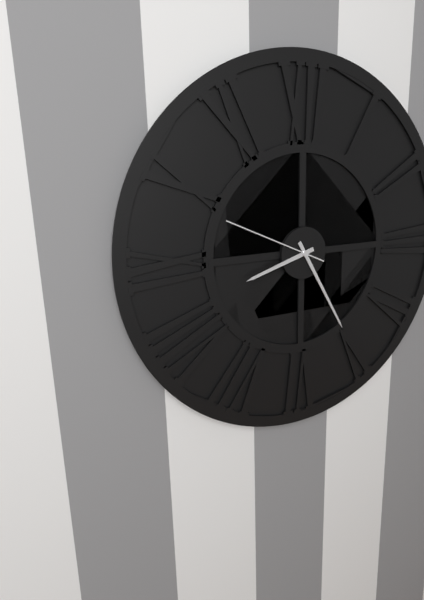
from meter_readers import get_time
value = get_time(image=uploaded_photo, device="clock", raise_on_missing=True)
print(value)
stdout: 8:25:49
